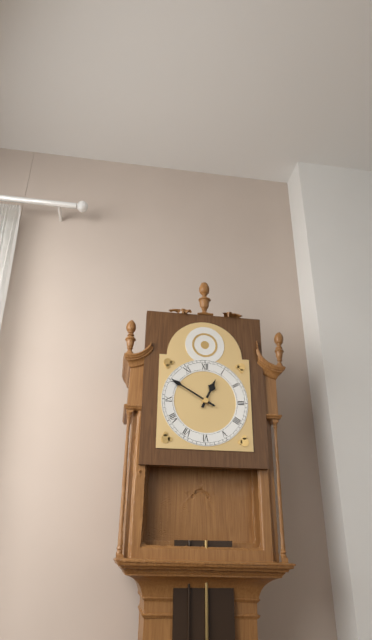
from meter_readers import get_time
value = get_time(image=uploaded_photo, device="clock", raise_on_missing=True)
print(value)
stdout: 12:50
